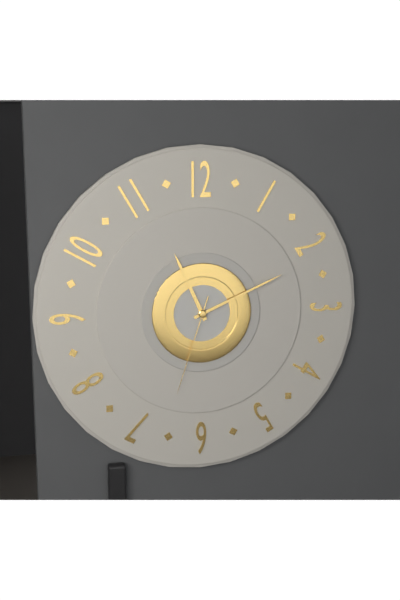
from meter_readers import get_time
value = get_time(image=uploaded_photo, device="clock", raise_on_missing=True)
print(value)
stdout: 11:11:33
